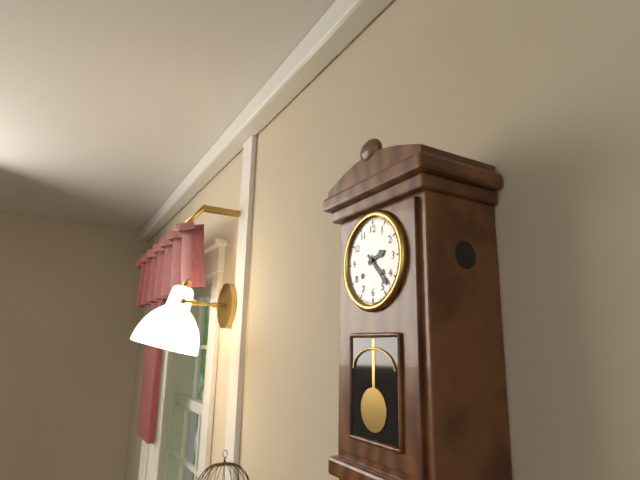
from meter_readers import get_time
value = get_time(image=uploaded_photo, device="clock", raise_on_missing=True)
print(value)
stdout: 2:23
